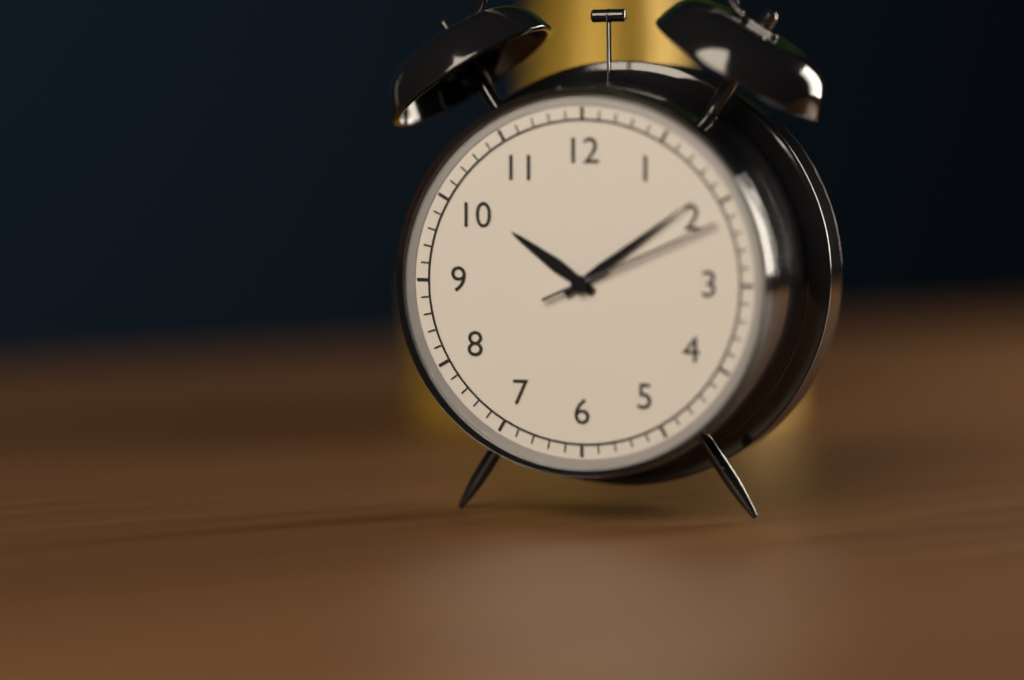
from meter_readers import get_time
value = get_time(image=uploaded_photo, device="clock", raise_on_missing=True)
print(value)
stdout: 10:09:11
